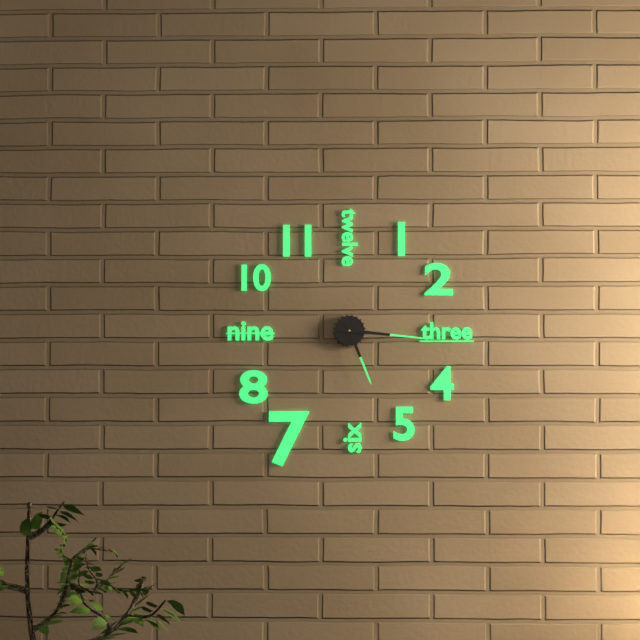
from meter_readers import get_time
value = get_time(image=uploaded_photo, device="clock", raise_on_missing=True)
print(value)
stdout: 5:16
